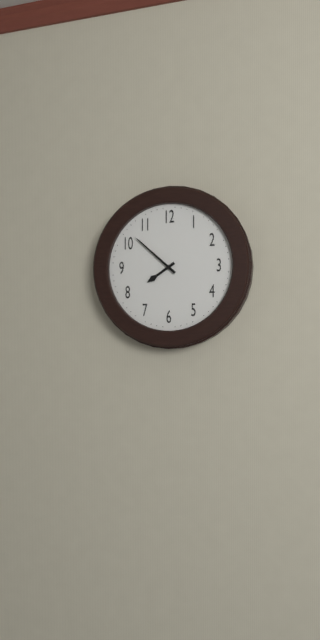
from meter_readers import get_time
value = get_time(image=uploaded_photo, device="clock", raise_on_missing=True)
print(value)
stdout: 7:52
